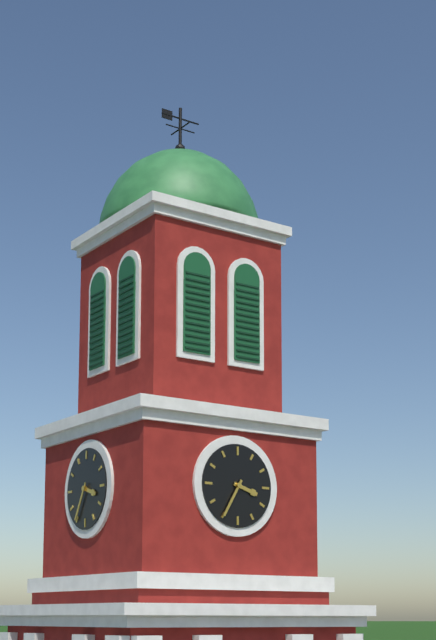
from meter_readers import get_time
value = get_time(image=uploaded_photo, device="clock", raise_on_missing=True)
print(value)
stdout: 3:35
